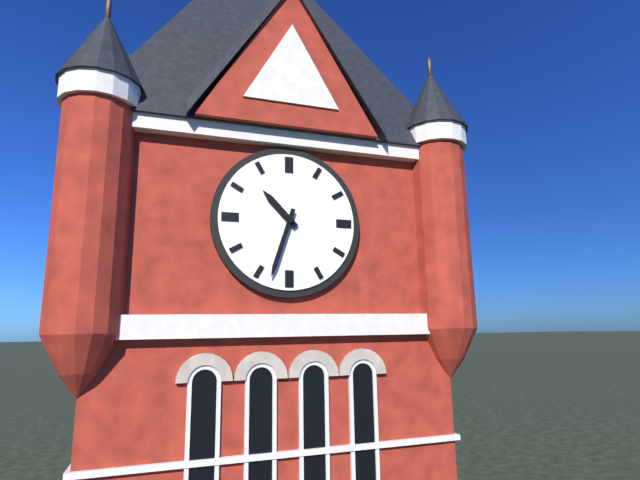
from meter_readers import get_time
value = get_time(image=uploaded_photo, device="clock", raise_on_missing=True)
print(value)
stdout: 10:33
